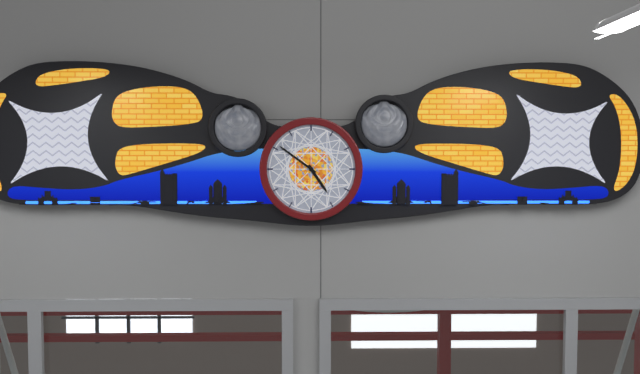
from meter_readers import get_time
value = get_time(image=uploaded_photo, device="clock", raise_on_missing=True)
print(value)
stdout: 4:51
